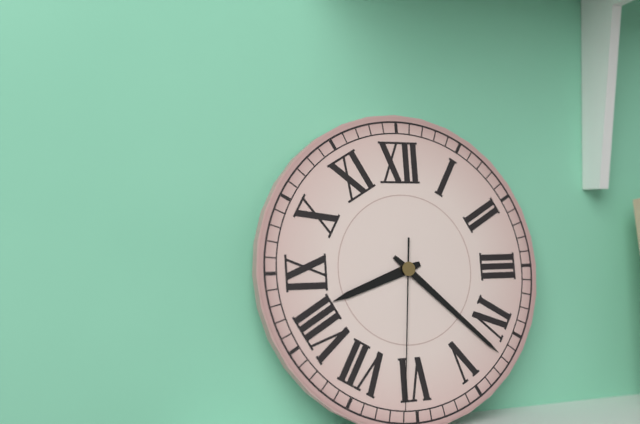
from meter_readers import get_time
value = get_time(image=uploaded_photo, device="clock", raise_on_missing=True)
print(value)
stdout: 8:22:31
